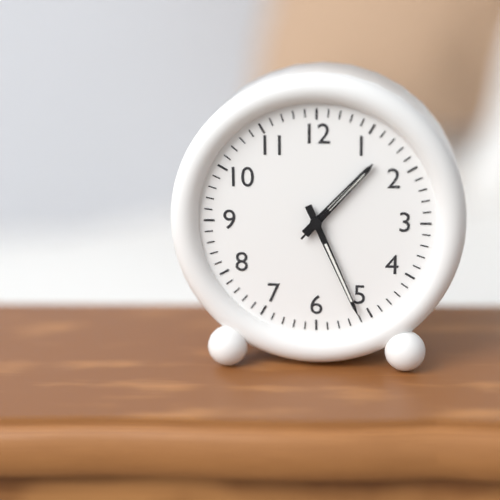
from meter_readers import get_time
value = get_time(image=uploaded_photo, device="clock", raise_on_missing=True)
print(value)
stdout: 1:26:07
